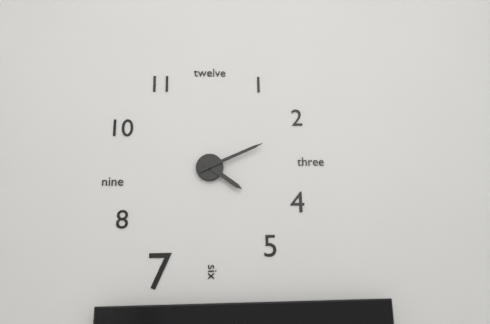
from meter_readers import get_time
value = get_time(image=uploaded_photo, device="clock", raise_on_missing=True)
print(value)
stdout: 4:11
